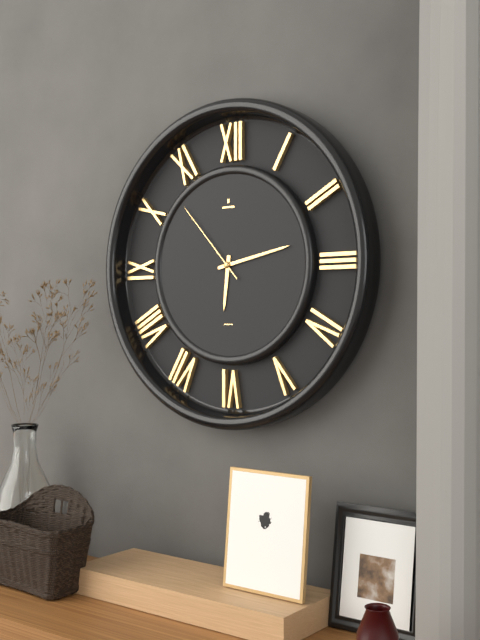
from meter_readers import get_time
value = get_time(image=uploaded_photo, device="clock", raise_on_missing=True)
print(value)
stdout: 6:13:53
